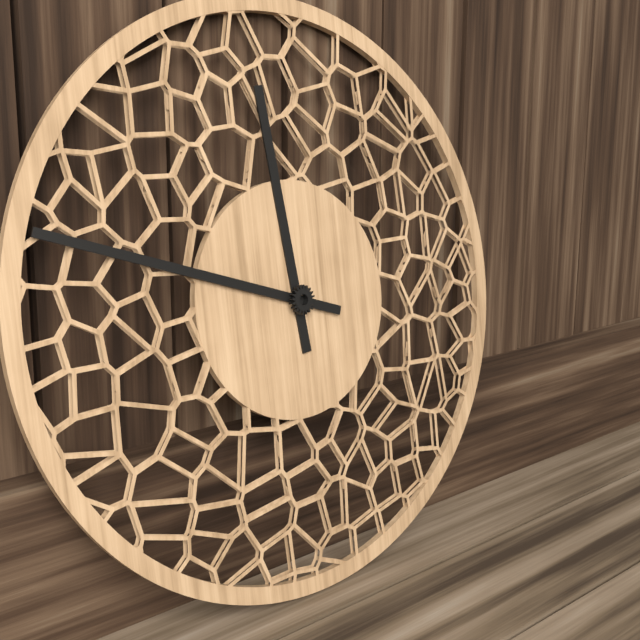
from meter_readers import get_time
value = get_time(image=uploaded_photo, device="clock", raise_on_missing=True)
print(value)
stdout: 11:48
